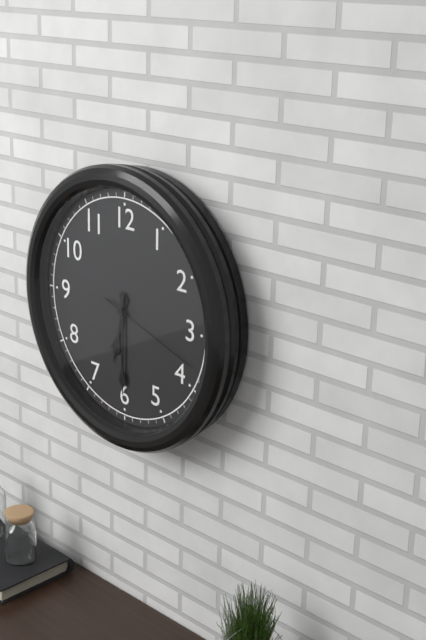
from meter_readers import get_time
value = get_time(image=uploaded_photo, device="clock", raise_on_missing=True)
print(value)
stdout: 6:30:18
